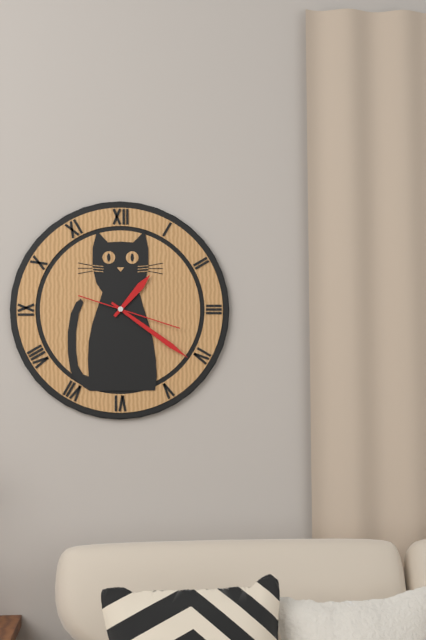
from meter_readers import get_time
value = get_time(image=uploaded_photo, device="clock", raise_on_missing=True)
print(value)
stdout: 1:21:18
